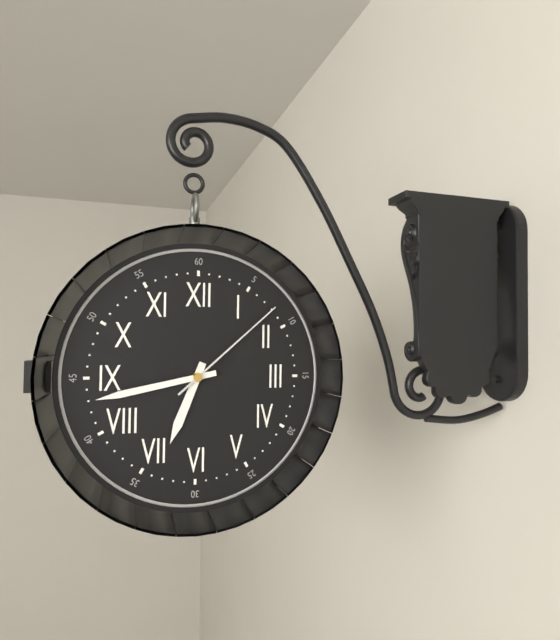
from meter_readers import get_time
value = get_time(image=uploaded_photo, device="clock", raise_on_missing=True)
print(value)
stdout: 6:43:08
